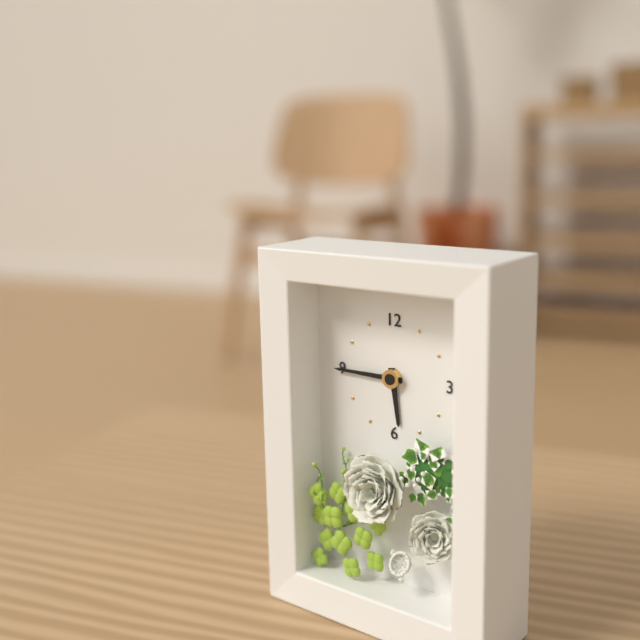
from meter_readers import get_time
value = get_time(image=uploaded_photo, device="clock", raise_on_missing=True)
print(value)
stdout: 5:45
